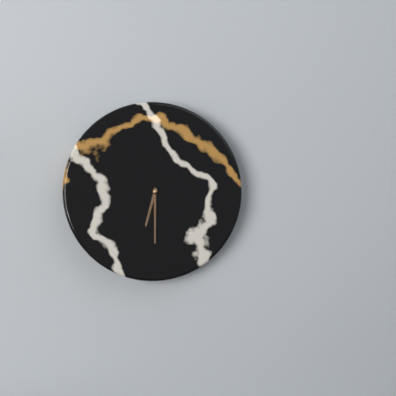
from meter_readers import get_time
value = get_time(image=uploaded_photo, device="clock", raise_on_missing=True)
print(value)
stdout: 6:30
